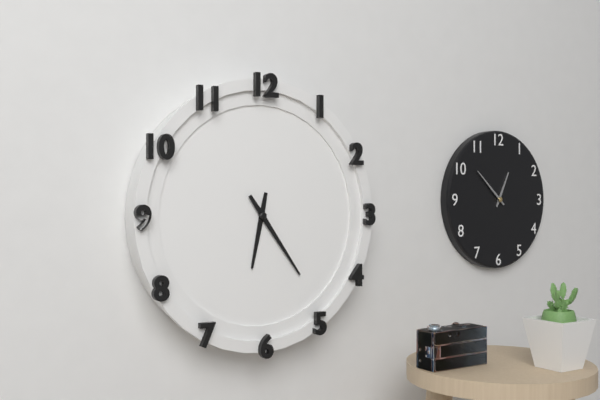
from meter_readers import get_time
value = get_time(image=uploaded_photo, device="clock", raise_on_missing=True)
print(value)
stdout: 6:24
